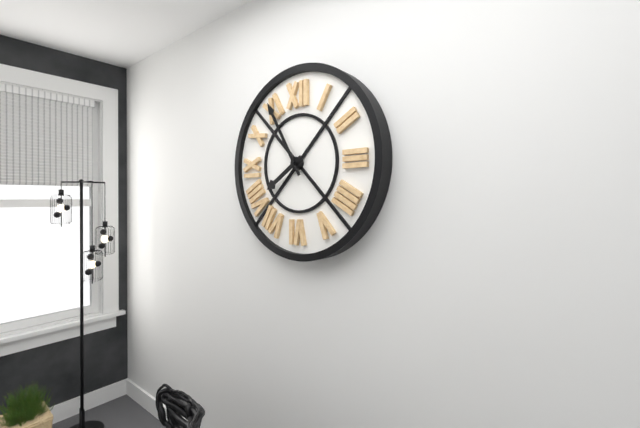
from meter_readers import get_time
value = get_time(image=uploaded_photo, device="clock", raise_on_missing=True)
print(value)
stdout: 7:55
